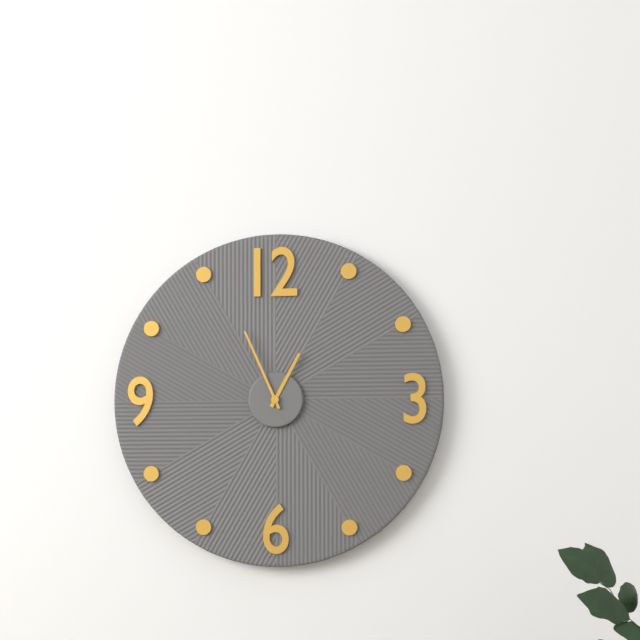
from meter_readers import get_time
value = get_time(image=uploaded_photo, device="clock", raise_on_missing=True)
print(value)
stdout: 12:56
